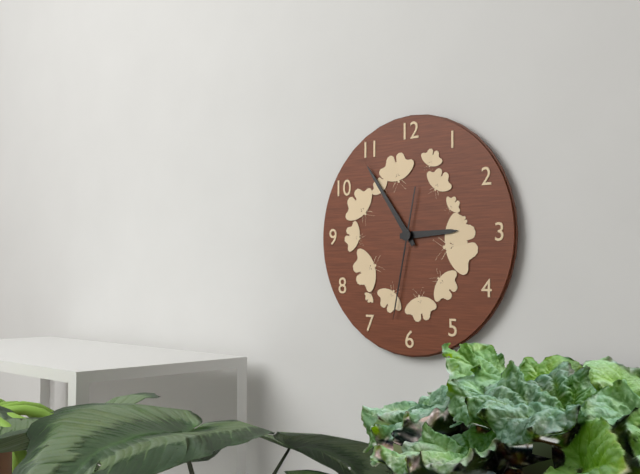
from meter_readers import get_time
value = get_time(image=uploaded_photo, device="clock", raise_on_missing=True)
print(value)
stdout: 2:54:32
